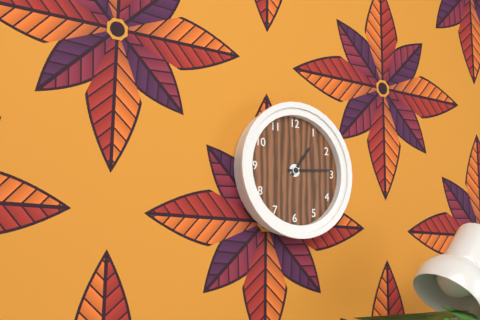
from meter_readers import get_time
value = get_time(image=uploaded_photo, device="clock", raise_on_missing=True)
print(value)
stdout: 1:14
